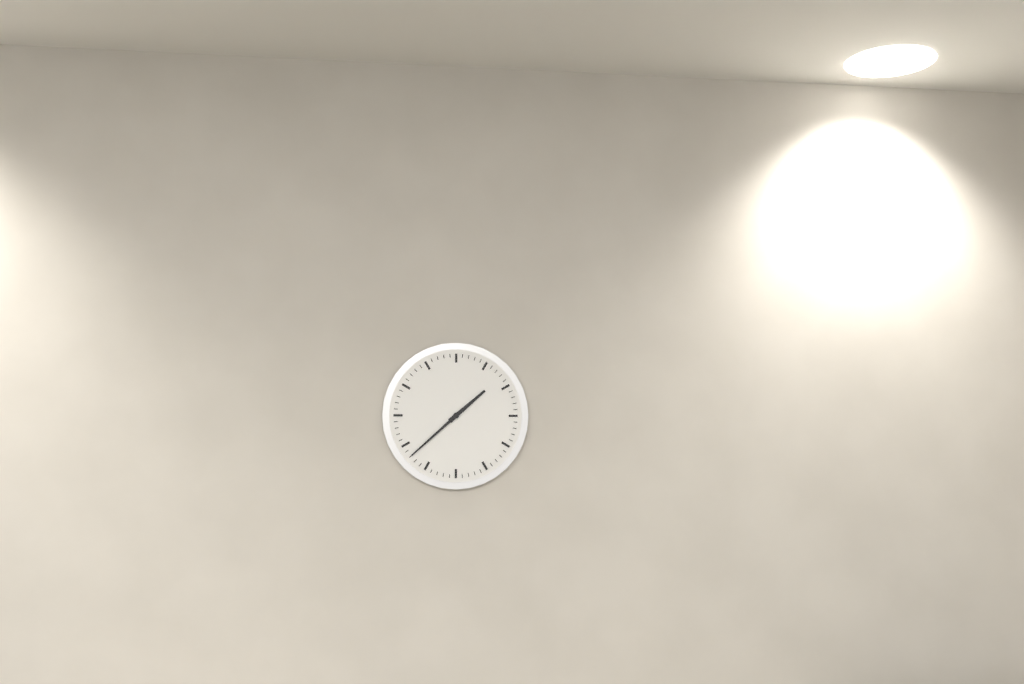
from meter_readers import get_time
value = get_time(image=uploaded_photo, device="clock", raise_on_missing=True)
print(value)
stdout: 1:38
